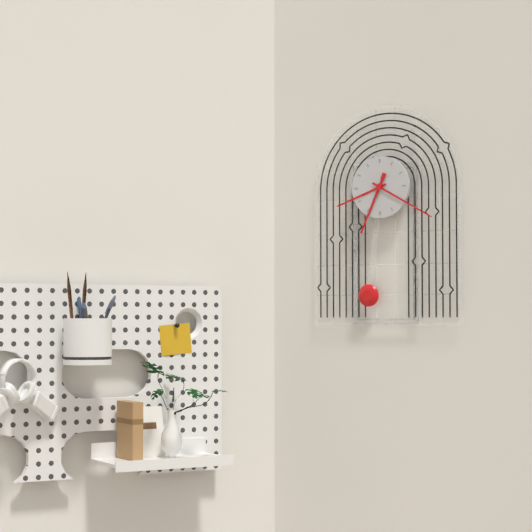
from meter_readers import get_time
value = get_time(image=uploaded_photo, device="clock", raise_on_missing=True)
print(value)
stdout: 8:20:34
